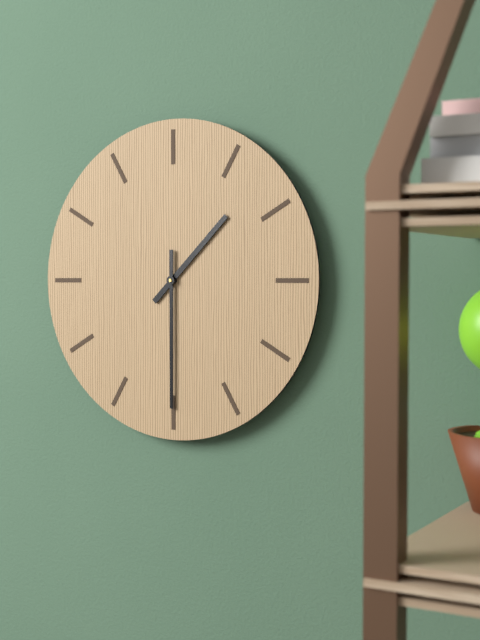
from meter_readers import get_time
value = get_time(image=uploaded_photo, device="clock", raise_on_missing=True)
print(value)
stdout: 1:30
